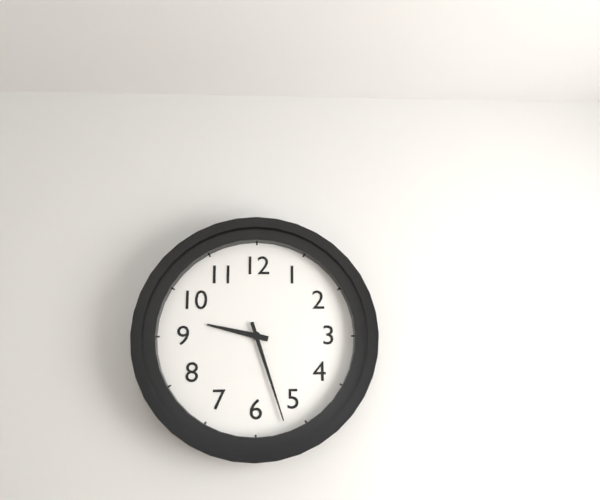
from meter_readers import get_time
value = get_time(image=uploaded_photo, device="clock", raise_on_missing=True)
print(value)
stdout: 9:27
